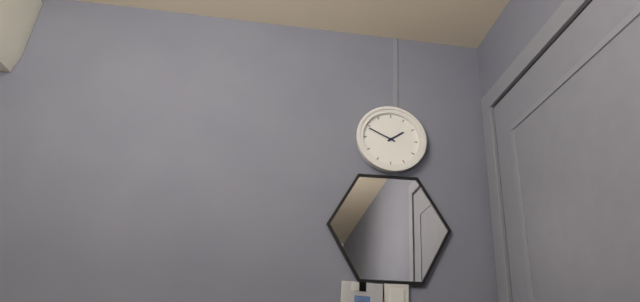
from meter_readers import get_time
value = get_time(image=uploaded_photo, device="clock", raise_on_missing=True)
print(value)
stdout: 1:49
